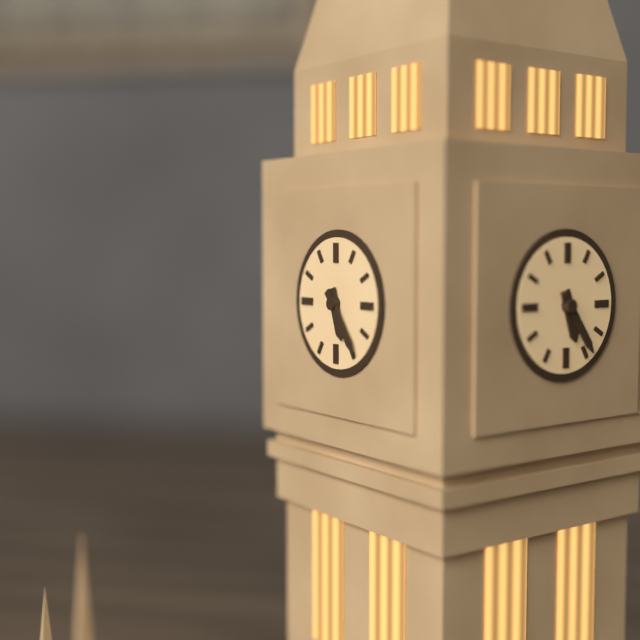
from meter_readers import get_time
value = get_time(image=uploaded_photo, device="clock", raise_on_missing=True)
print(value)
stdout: 5:24
